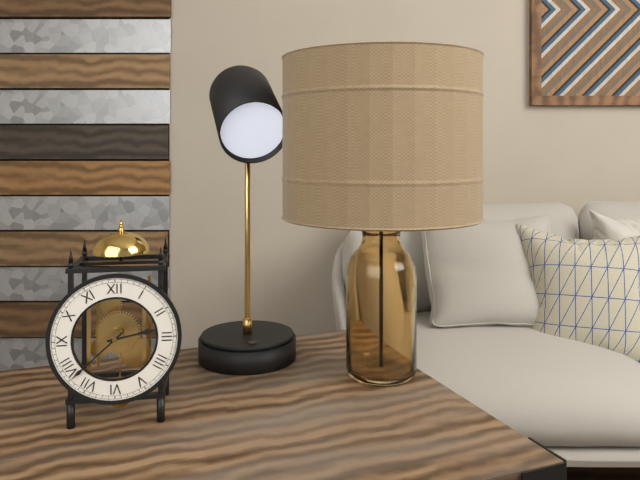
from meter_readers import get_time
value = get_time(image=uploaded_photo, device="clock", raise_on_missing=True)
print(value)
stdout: 2:38
